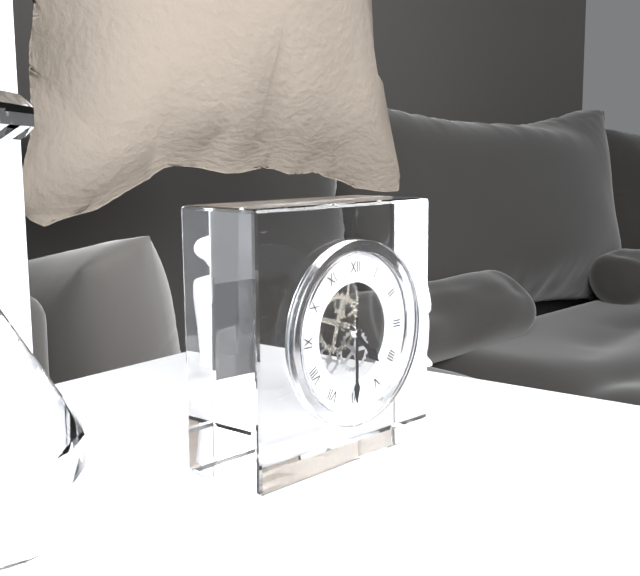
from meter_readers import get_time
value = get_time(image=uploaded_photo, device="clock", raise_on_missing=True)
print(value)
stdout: 4:30
